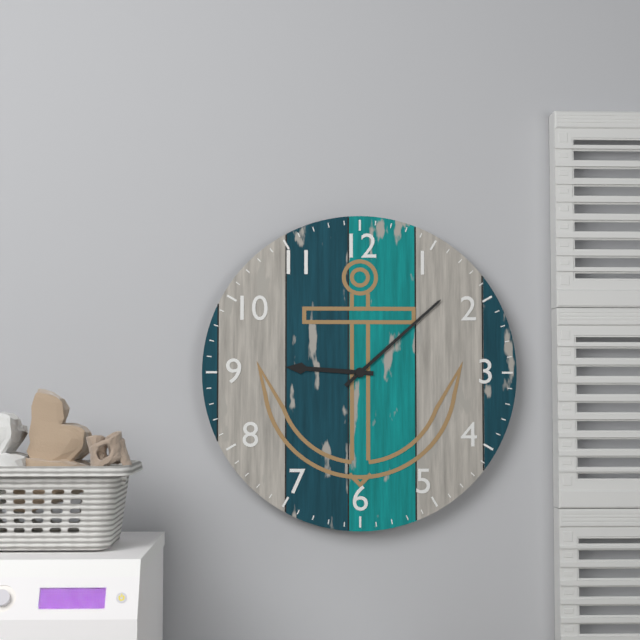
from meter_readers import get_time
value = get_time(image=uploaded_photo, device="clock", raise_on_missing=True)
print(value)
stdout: 9:08
